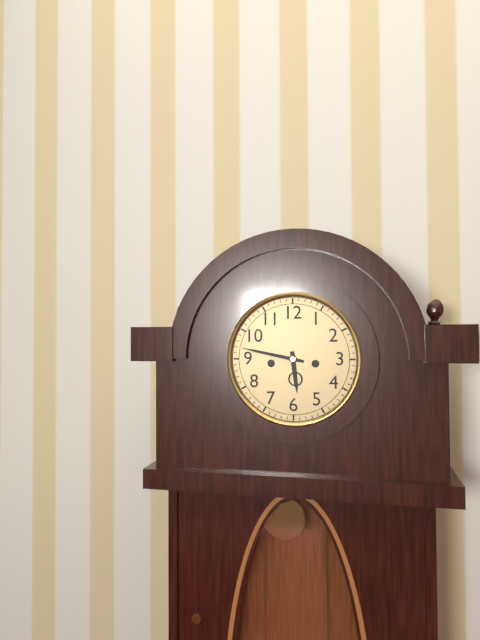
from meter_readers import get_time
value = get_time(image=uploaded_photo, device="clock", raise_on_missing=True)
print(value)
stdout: 5:47
